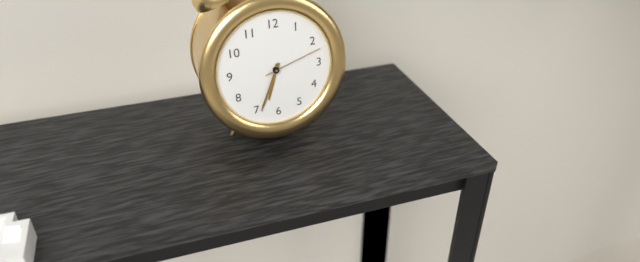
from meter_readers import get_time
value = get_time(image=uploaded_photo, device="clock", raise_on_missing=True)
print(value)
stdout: 6:34:12
